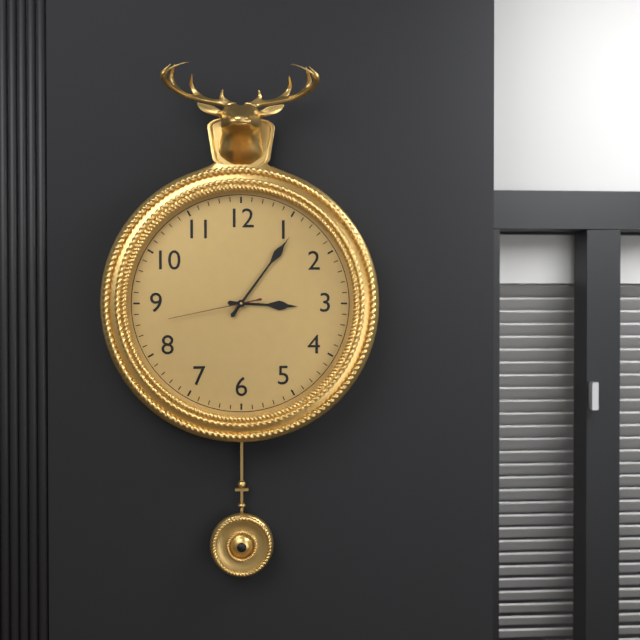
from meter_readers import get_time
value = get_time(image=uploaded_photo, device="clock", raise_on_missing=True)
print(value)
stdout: 3:06:43
